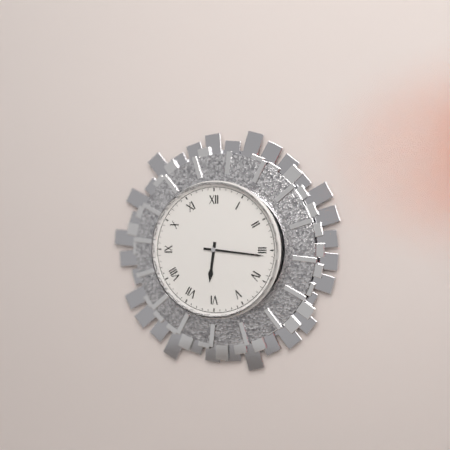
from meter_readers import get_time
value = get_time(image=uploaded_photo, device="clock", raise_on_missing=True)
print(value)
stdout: 6:16
